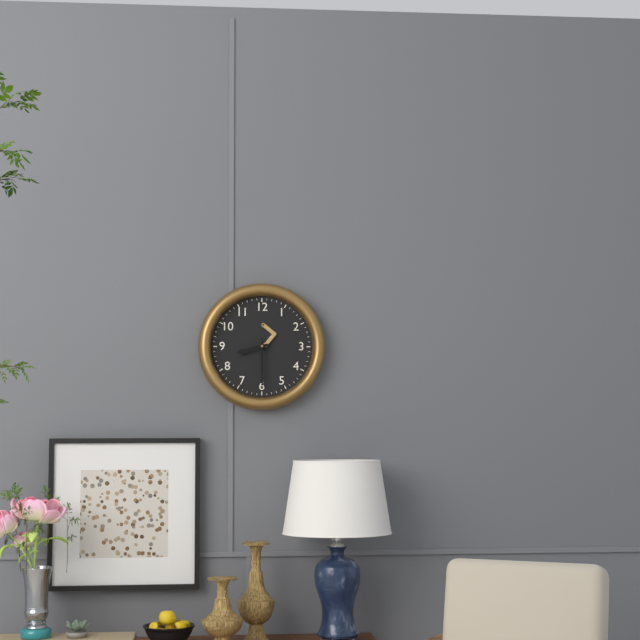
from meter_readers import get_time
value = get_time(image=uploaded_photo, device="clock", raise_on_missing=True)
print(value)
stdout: 8:30
